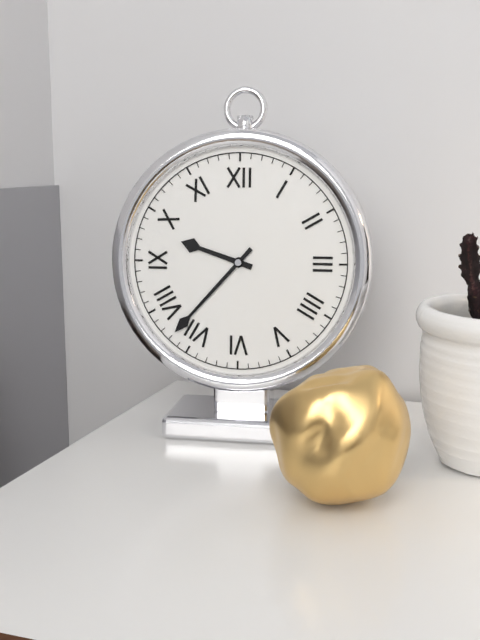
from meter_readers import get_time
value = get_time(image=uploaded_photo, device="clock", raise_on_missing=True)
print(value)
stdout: 9:37
